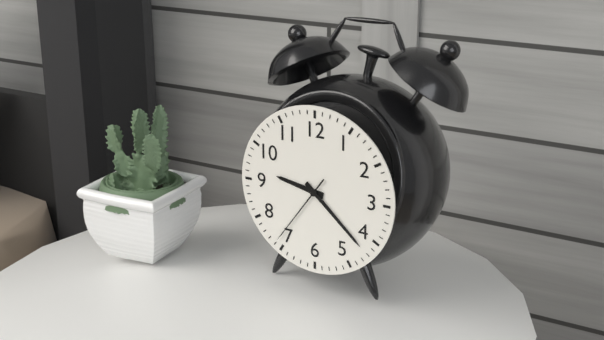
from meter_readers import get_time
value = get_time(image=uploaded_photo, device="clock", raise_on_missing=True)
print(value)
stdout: 9:22:36
